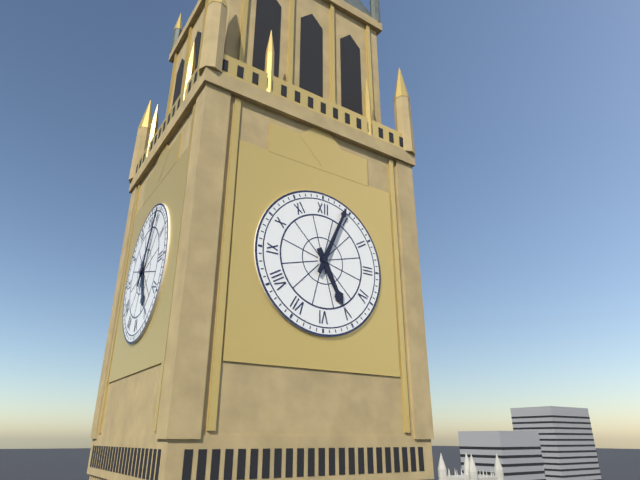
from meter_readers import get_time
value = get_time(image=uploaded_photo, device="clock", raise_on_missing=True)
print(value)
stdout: 5:04
